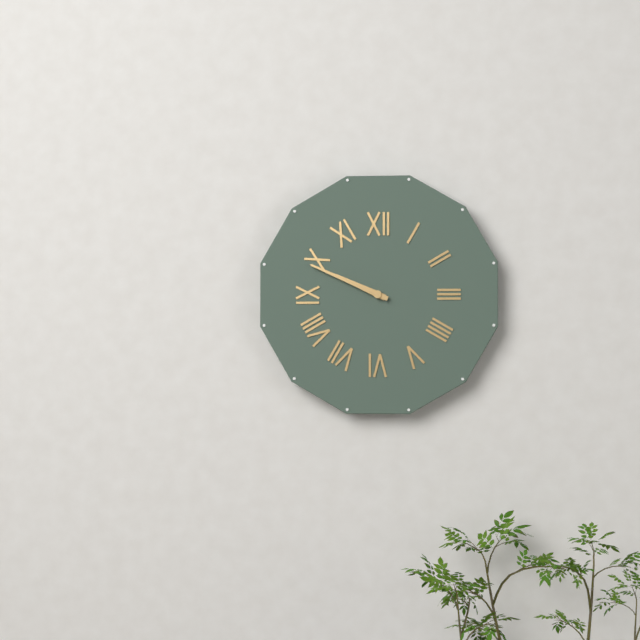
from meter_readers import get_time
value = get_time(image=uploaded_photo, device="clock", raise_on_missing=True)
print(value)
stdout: 9:49
